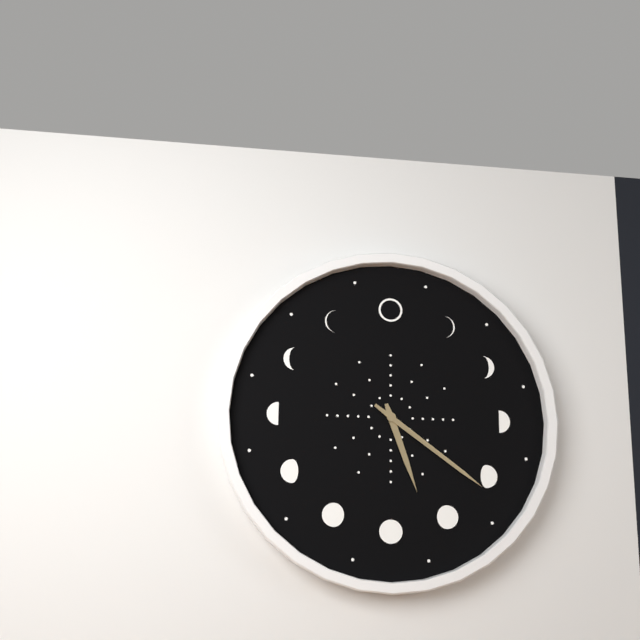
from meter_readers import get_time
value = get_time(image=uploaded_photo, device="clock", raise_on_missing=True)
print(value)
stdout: 5:21
